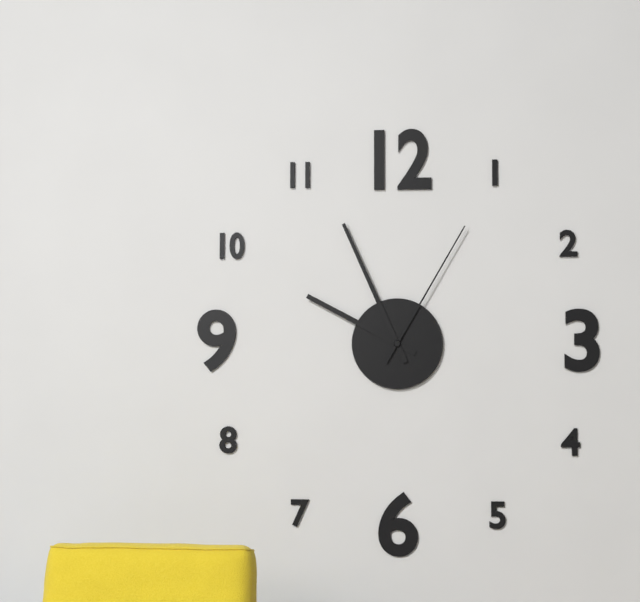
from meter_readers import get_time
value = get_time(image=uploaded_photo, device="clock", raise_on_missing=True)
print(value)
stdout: 9:56:05
